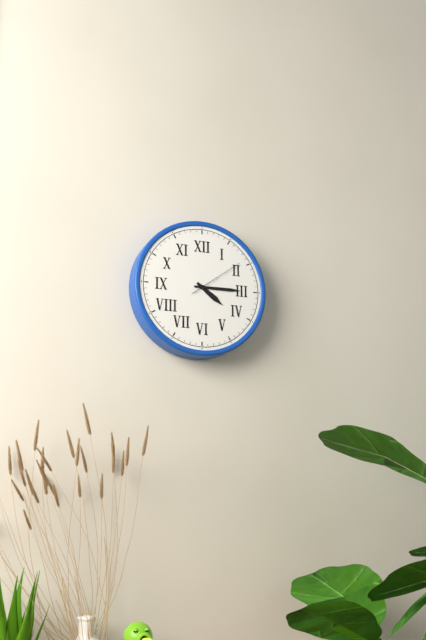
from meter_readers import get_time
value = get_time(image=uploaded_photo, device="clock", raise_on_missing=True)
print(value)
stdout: 4:15:09
